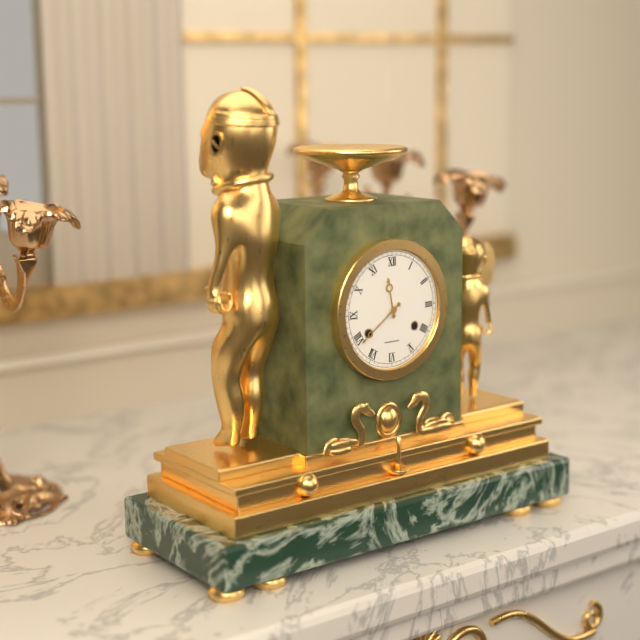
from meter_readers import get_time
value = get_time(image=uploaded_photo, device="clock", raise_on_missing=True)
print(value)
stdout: 11:39
